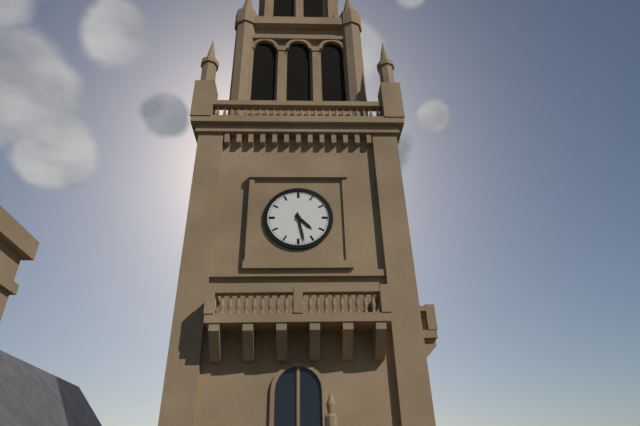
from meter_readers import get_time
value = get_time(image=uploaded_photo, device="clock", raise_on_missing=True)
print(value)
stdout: 4:28
